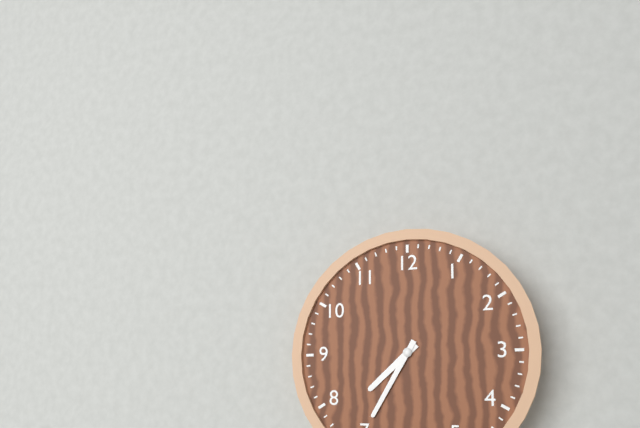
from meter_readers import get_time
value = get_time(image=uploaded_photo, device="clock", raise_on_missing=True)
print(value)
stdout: 7:35
